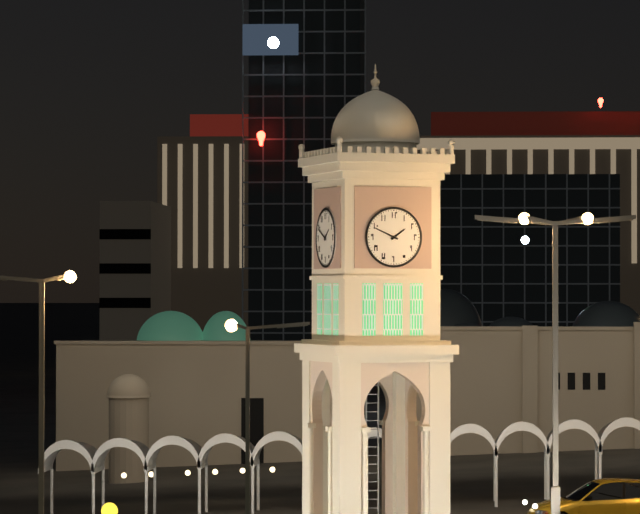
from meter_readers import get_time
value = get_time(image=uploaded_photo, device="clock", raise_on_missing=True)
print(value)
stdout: 1:49
